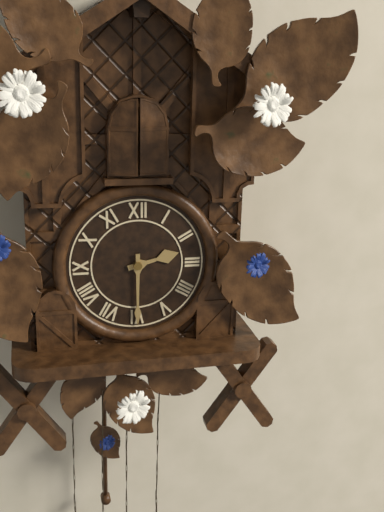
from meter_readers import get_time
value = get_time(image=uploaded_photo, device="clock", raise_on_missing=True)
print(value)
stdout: 2:30
